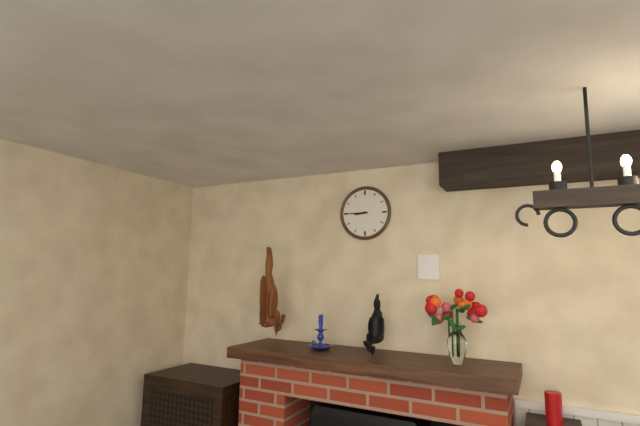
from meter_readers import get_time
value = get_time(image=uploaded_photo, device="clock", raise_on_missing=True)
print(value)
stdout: 8:45
